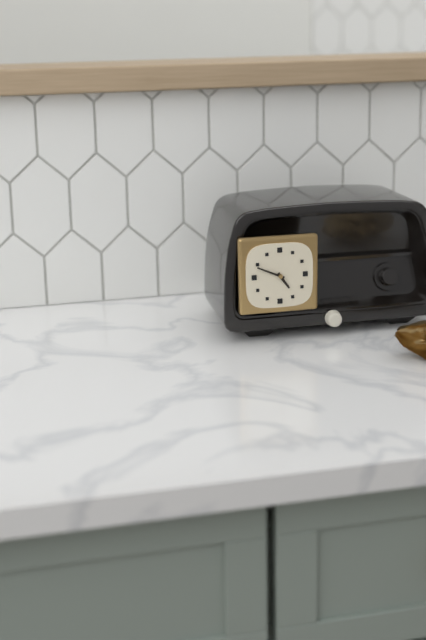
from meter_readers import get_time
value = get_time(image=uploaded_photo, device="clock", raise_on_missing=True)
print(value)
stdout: 4:49
